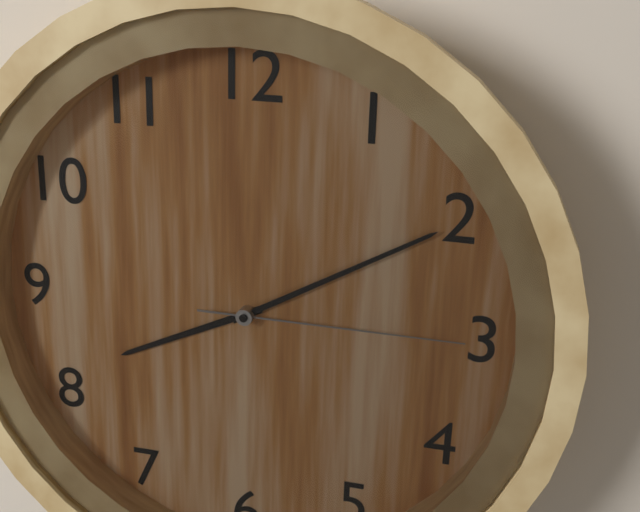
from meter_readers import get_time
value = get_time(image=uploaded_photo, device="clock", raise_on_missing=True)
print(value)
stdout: 8:10:15
